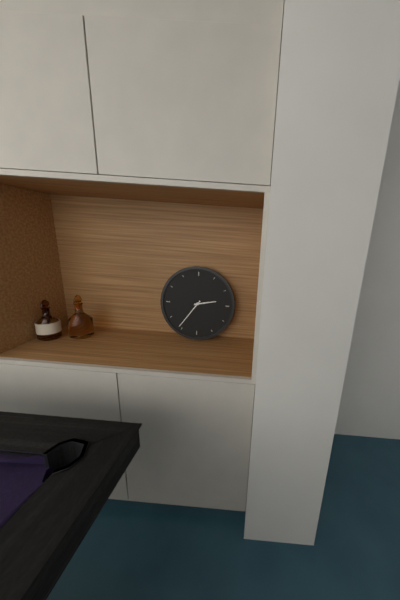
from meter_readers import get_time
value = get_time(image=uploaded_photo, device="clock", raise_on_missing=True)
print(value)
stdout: 2:36
